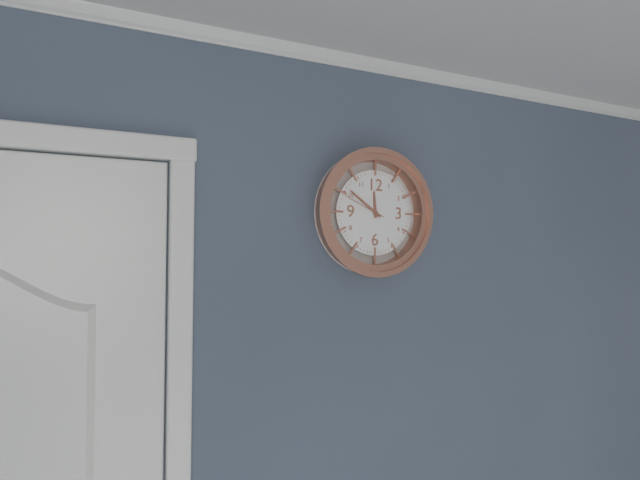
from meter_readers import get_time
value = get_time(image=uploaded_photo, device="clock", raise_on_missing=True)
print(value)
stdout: 11:51
